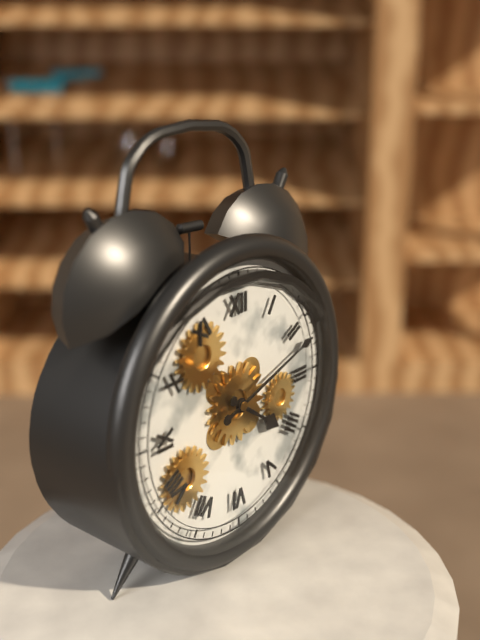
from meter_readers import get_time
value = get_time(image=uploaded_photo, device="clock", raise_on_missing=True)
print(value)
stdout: 4:12
